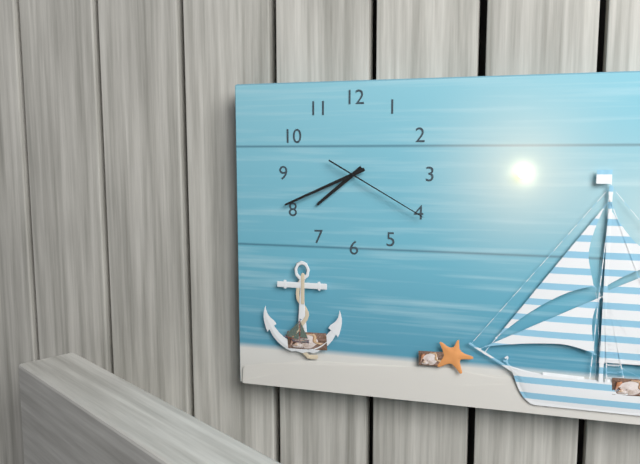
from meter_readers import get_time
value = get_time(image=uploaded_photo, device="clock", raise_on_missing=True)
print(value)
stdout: 7:41:20
